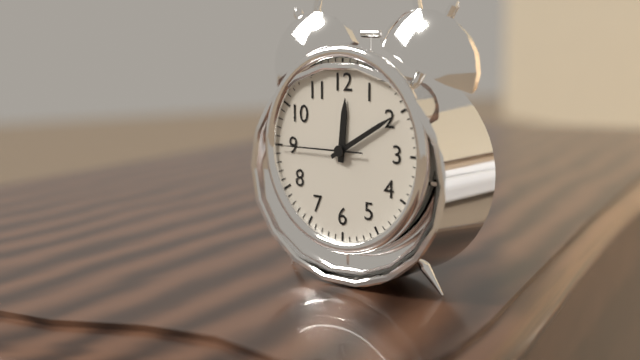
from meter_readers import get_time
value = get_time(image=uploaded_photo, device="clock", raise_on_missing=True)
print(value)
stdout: 12:10:45
